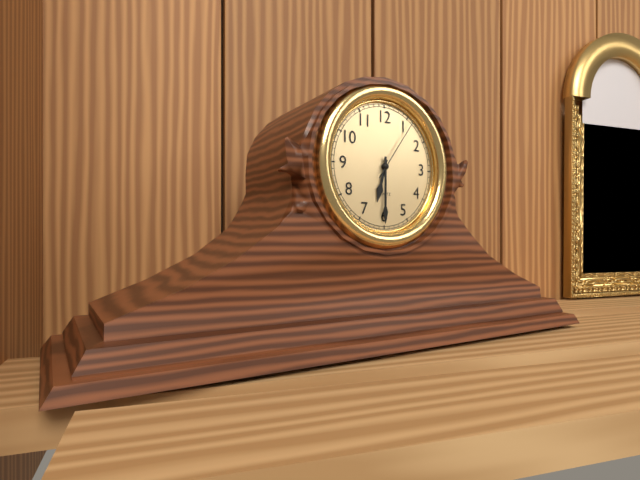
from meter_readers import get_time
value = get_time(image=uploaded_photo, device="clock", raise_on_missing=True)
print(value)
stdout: 6:30:06
